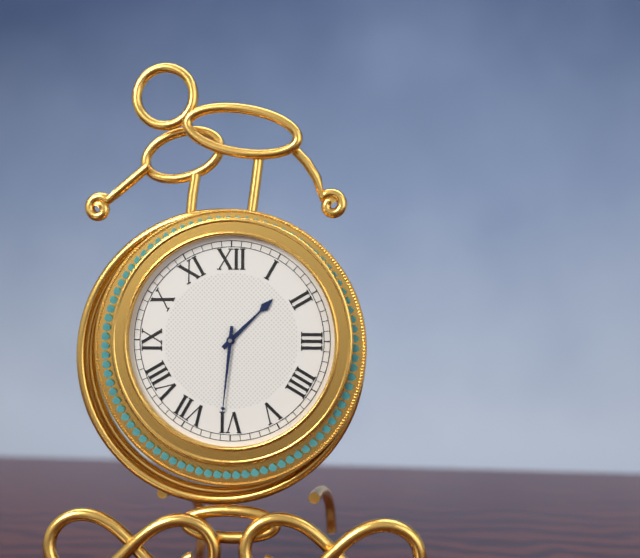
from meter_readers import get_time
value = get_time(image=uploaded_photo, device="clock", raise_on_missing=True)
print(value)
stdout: 1:31
